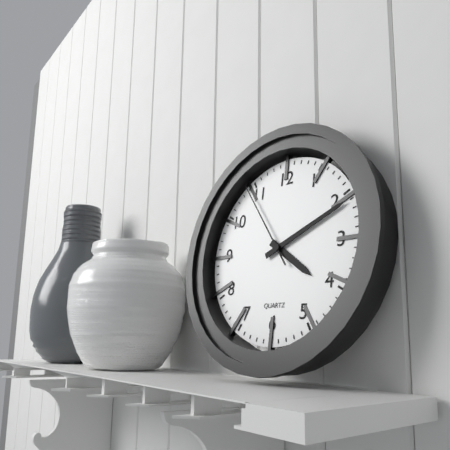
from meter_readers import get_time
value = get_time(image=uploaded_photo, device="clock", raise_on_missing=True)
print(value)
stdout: 4:11:54
